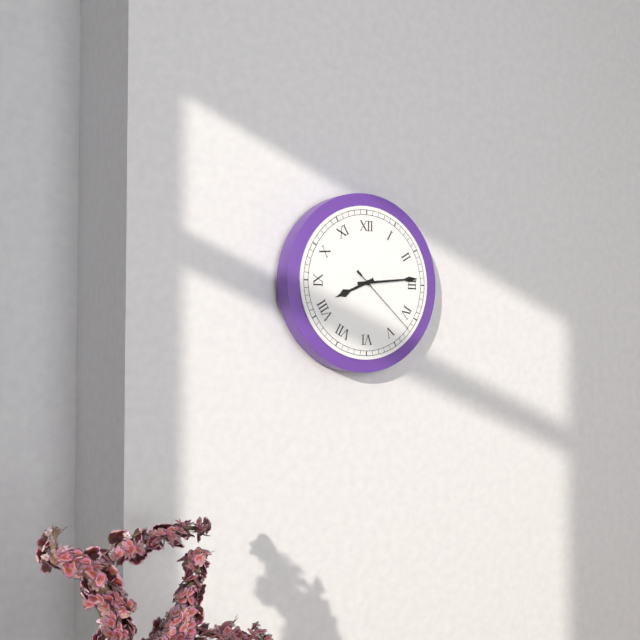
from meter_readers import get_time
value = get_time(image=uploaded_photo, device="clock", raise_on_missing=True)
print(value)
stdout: 8:14:22
